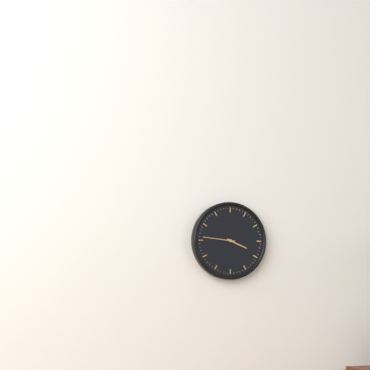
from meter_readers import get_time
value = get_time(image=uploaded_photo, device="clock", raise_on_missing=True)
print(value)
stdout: 3:46
